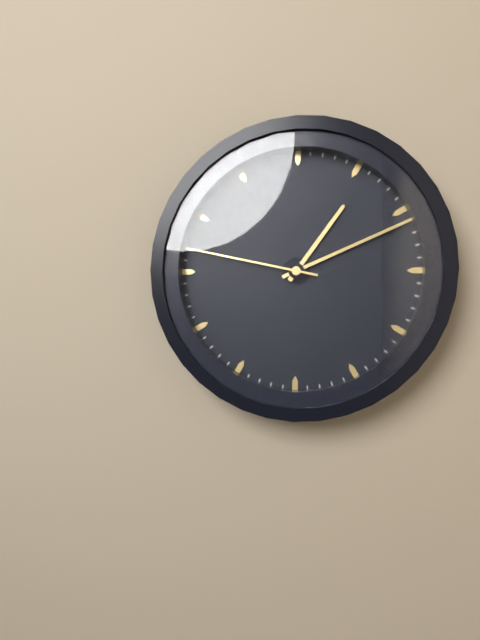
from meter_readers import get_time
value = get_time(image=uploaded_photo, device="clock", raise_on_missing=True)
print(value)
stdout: 1:11:47
